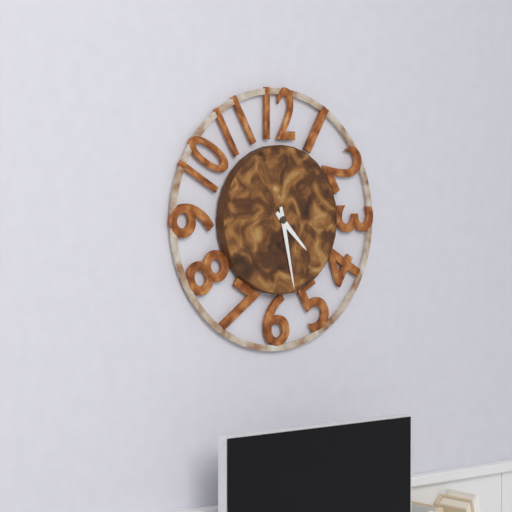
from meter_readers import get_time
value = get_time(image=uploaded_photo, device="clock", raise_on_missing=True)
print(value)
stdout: 4:28
